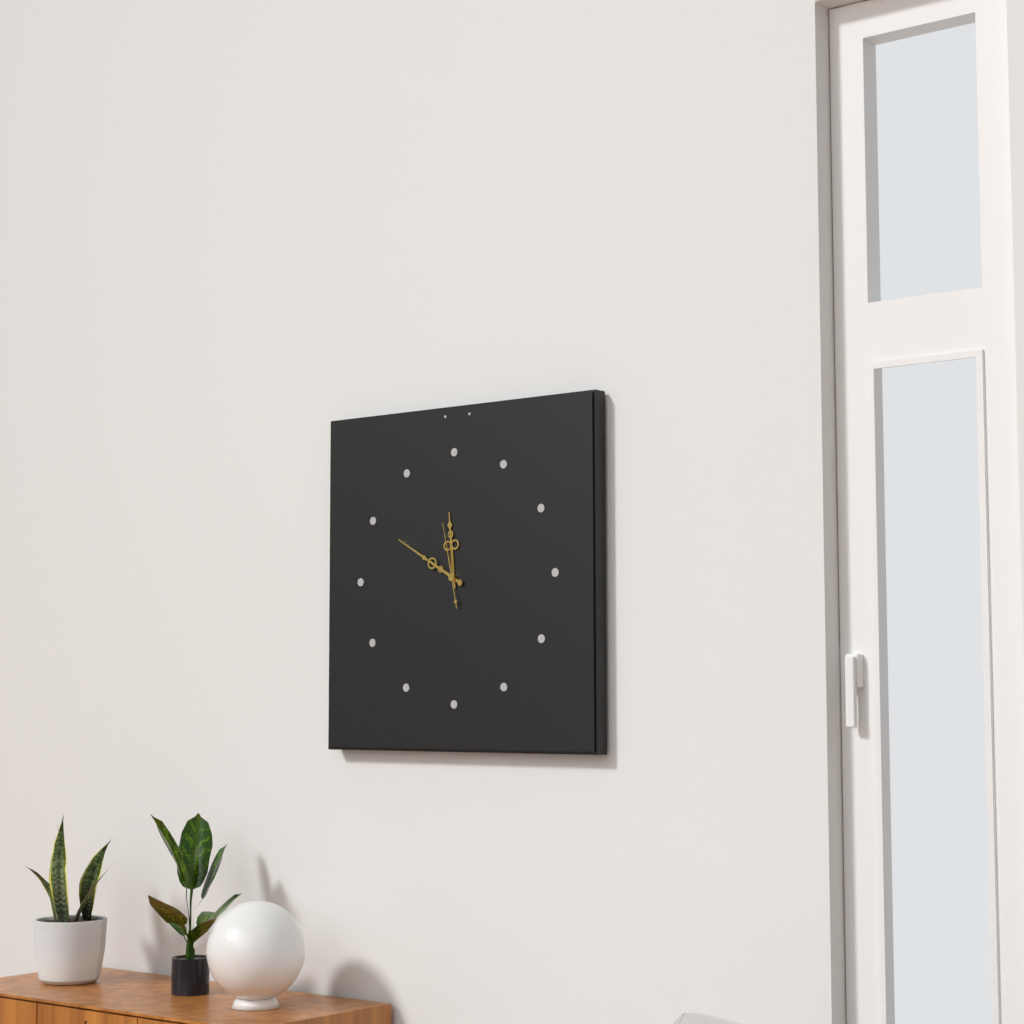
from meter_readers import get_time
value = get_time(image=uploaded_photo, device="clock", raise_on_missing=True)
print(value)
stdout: 11:50:58
